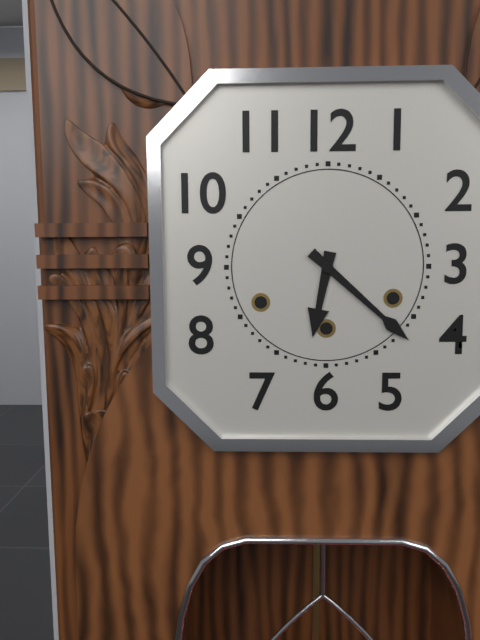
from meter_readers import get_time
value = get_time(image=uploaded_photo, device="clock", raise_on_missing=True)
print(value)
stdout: 6:22
